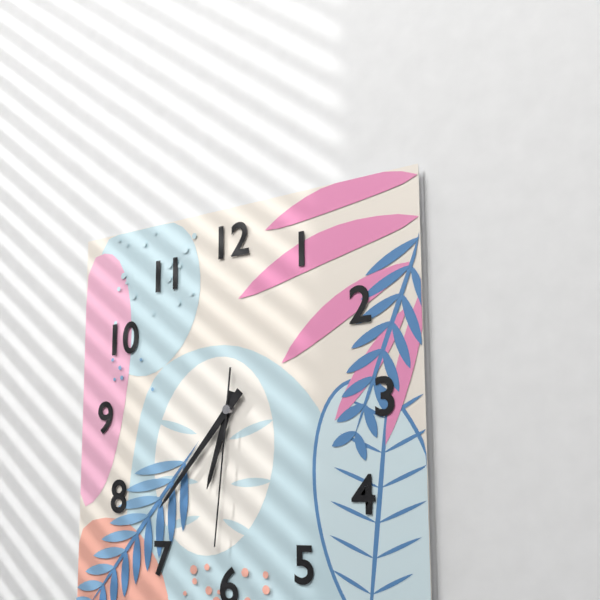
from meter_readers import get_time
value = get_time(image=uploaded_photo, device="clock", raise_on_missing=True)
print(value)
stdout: 6:37:31
